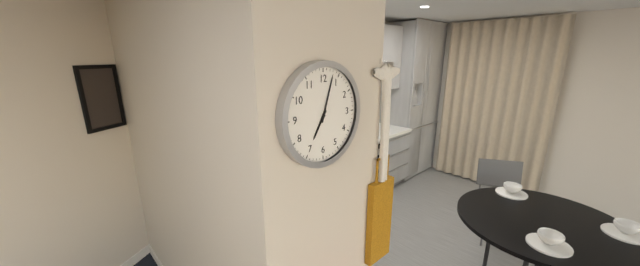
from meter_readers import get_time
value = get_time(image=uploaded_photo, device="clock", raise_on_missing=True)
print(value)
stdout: 7:03
